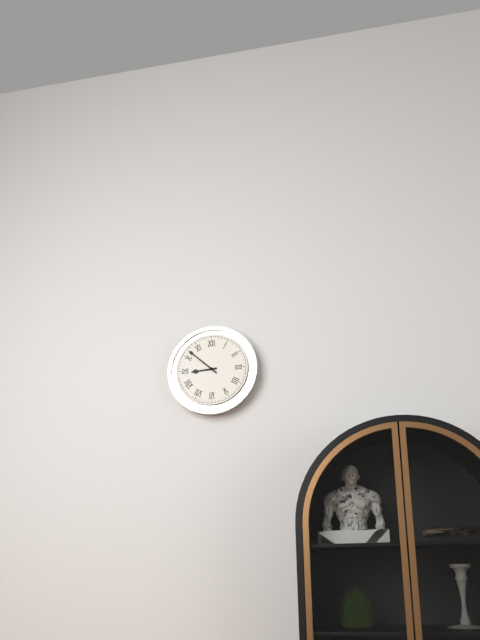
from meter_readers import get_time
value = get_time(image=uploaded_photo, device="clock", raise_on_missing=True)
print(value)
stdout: 8:52
